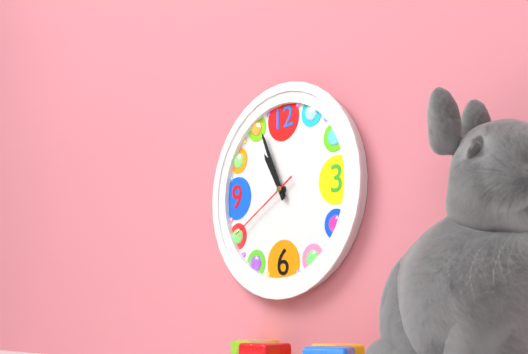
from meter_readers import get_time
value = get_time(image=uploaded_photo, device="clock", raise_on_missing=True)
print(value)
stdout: 10:56:40
